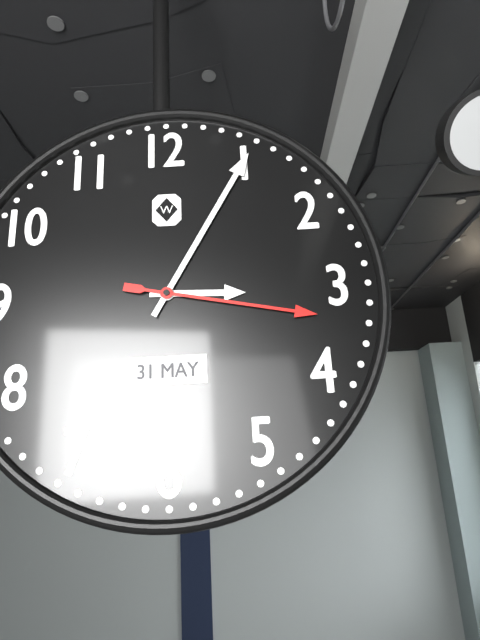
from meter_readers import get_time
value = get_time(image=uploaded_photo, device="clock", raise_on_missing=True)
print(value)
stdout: 3:05:17
